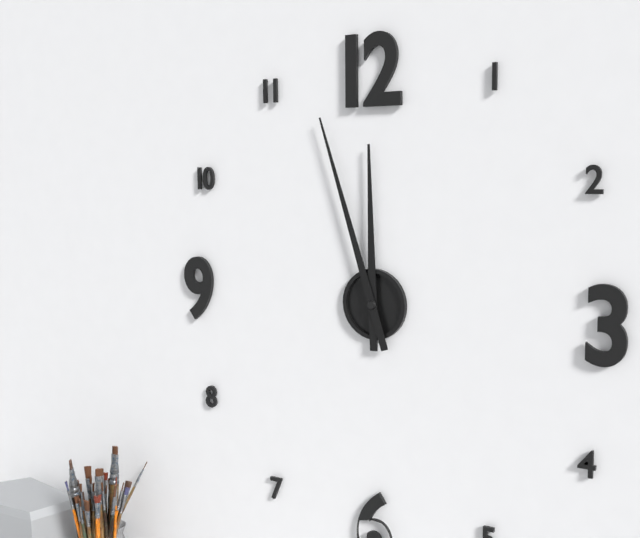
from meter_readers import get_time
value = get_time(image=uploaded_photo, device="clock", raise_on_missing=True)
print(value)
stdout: 11:57
